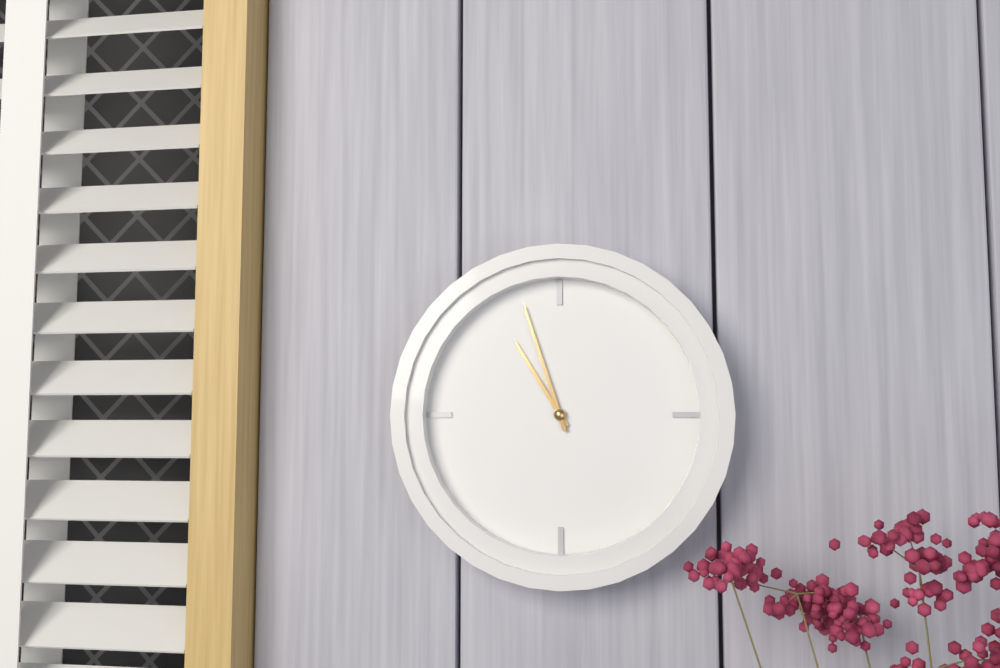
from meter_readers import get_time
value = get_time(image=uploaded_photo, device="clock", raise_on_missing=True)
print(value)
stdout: 10:57
